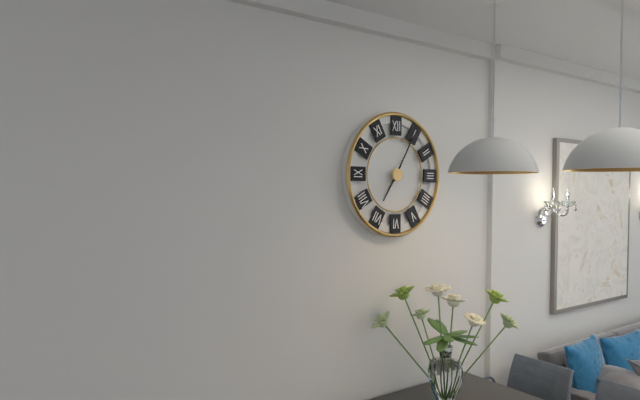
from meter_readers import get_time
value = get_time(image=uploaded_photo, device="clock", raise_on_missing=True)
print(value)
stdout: 7:05
